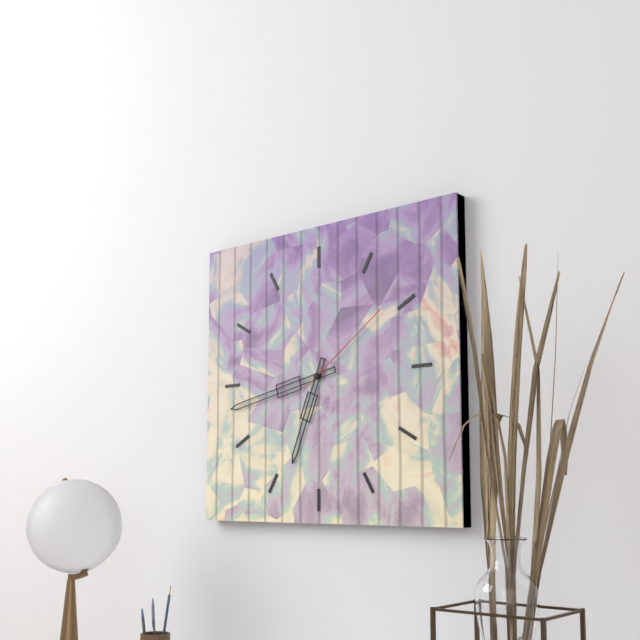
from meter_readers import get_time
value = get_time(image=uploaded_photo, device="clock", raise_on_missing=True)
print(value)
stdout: 6:43:09
